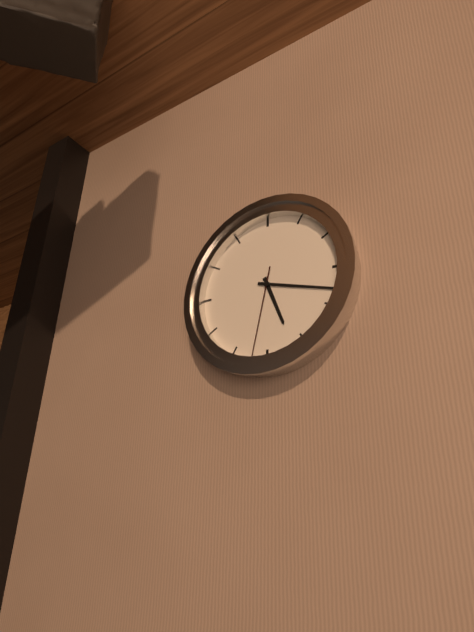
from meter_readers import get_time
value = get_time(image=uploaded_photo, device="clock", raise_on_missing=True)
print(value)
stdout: 5:18:32
